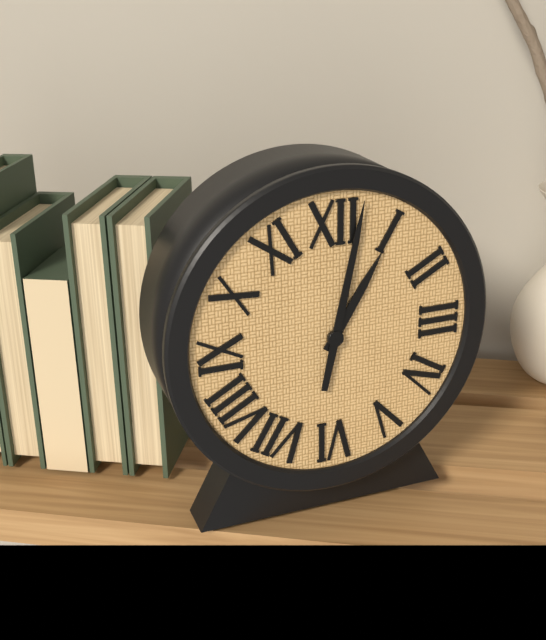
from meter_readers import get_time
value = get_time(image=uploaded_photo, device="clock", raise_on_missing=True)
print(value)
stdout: 1:02
